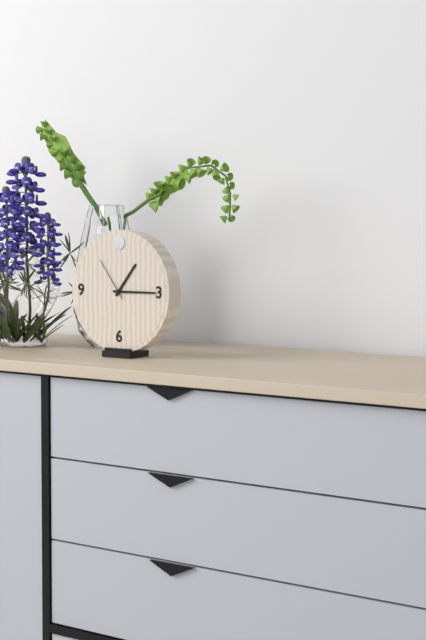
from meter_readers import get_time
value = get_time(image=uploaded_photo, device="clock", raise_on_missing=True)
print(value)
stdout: 1:15
